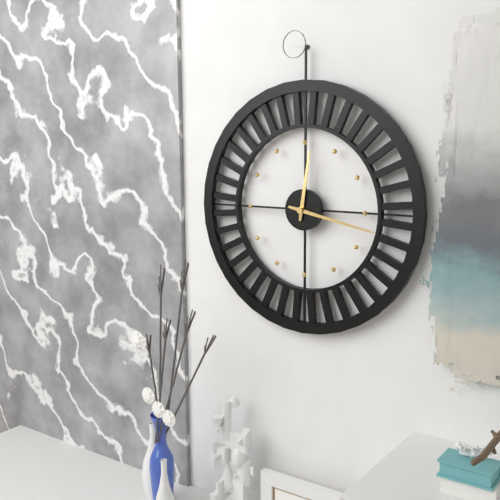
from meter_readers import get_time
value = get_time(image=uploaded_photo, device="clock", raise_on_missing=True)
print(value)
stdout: 12:17
